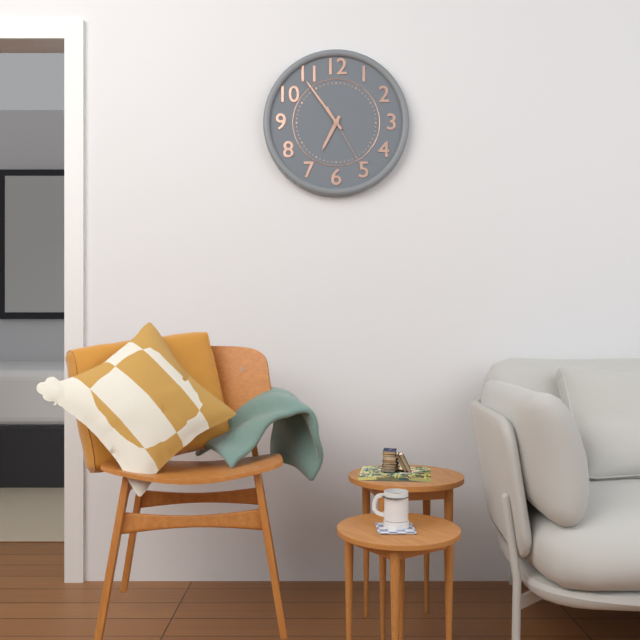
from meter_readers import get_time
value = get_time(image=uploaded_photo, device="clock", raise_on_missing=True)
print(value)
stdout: 6:54:25
